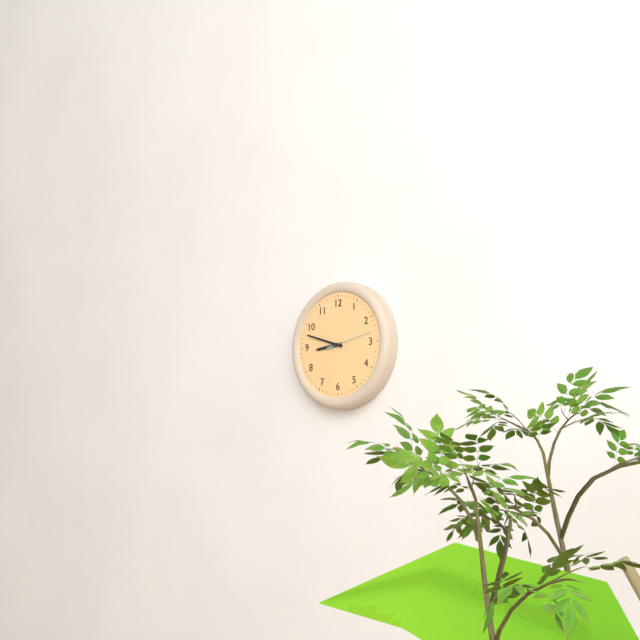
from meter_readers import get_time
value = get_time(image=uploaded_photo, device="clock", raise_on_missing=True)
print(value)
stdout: 8:48
